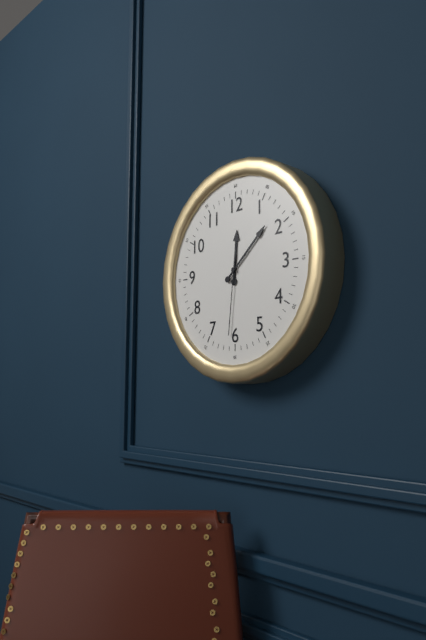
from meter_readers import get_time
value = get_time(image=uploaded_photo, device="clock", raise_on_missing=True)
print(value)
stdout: 12:08:31
